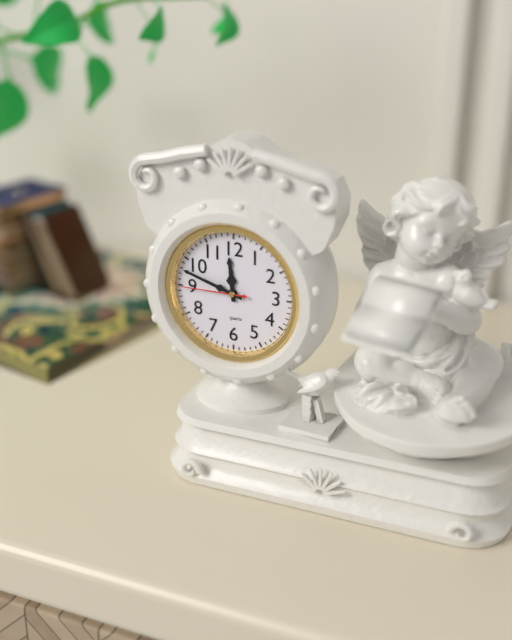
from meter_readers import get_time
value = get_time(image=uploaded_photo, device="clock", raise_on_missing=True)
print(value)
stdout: 11:48:45
